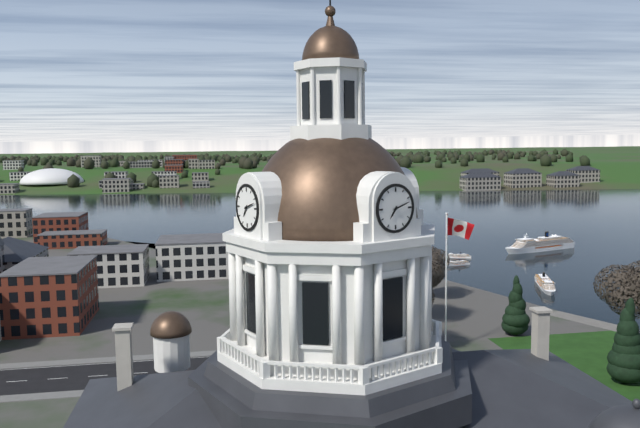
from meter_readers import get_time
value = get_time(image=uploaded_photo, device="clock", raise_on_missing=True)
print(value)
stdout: 7:12
